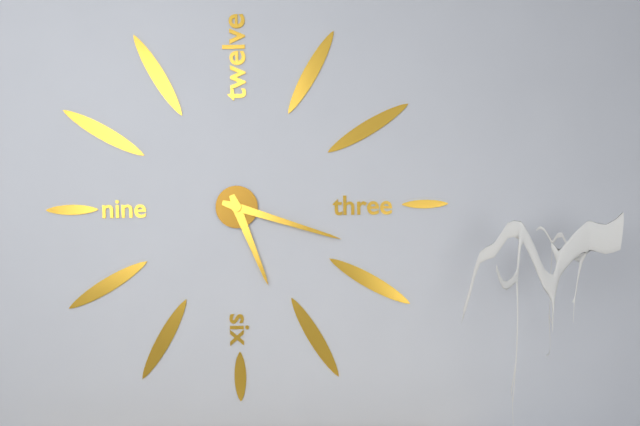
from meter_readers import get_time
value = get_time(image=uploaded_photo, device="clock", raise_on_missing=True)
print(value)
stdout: 5:18
